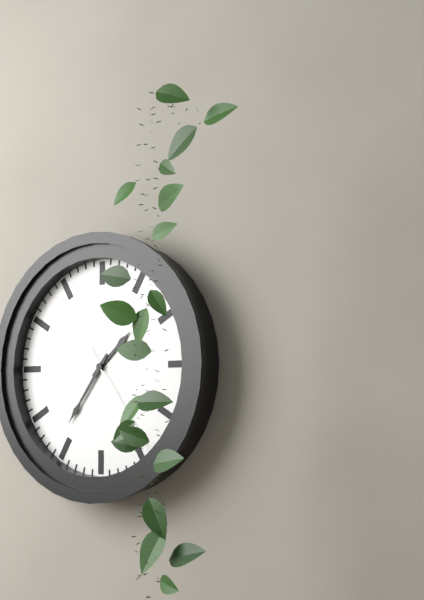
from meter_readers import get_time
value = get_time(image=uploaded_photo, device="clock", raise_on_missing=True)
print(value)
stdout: 1:36
